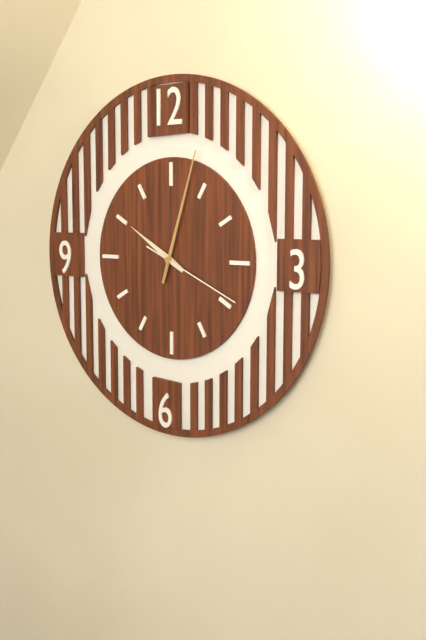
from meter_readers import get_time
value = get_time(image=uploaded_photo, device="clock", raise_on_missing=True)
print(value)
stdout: 10:03:19
